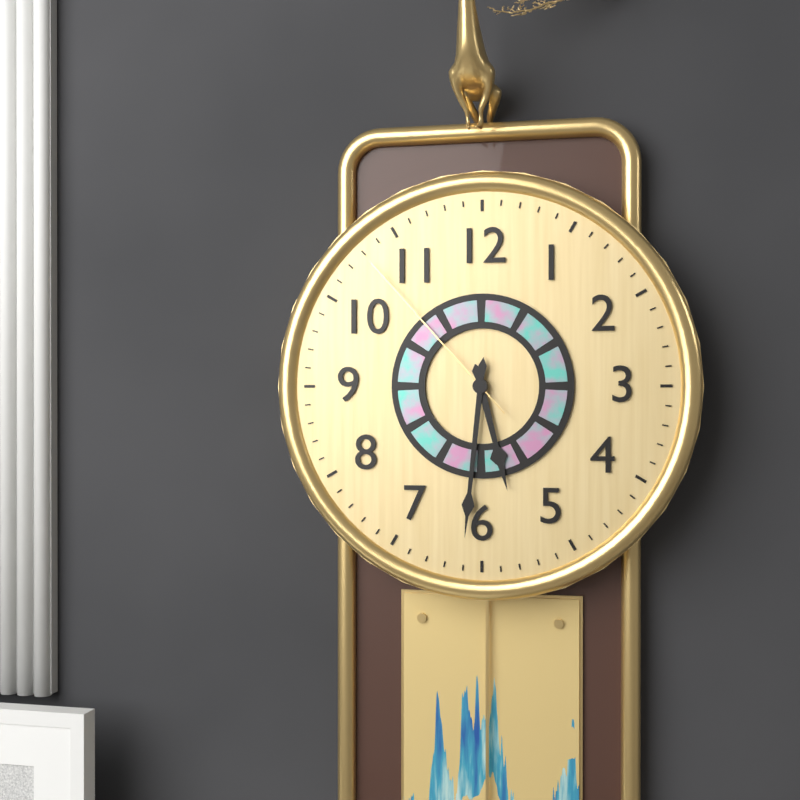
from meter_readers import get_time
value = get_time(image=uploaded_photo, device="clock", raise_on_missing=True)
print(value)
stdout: 5:31:53
